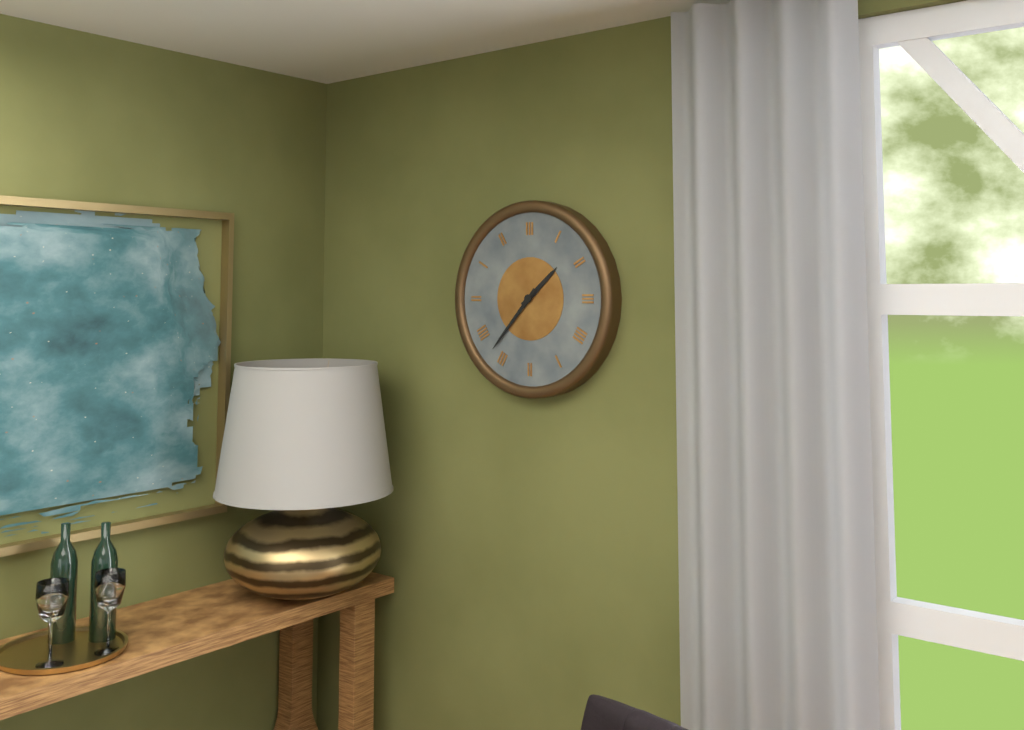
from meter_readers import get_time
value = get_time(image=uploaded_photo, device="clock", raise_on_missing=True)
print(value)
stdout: 1:37
